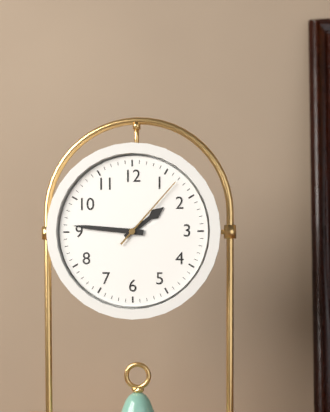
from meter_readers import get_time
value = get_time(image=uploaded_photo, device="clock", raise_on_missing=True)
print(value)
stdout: 1:46:07
